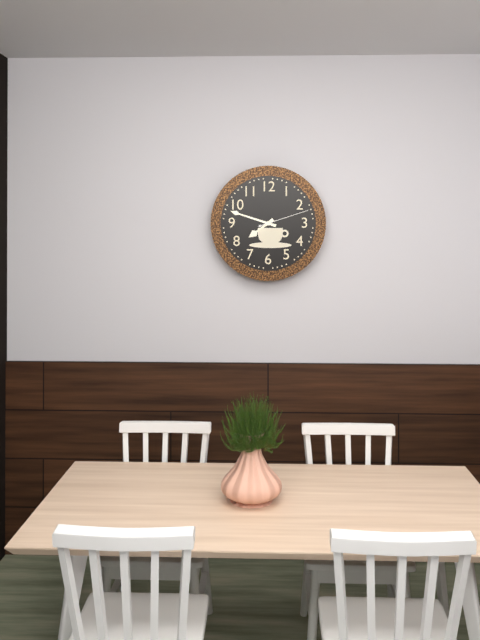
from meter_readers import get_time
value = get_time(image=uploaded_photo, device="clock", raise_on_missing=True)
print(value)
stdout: 7:48:12
